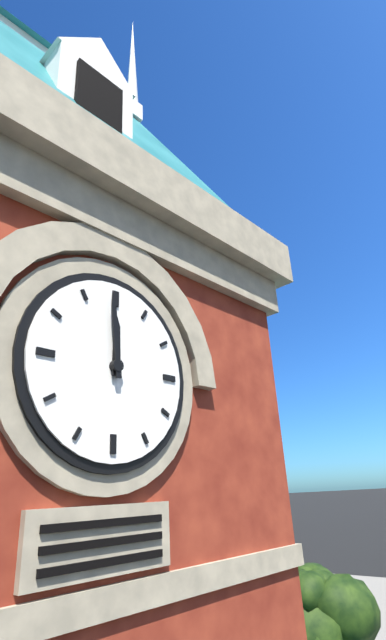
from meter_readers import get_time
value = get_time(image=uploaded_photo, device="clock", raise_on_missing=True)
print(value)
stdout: 11:59
